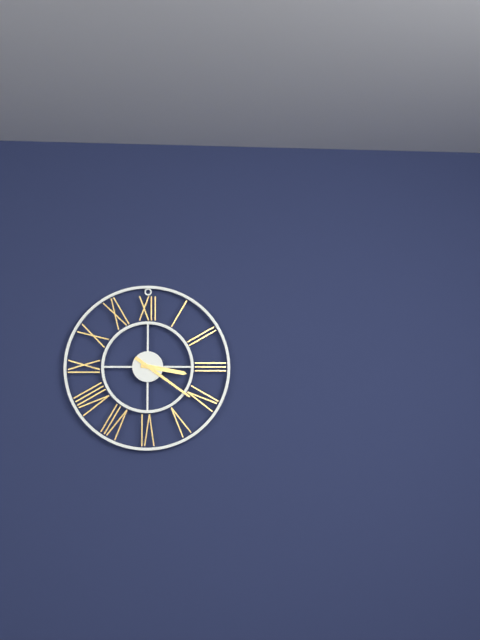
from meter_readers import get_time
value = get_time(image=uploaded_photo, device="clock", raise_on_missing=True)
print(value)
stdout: 3:21
